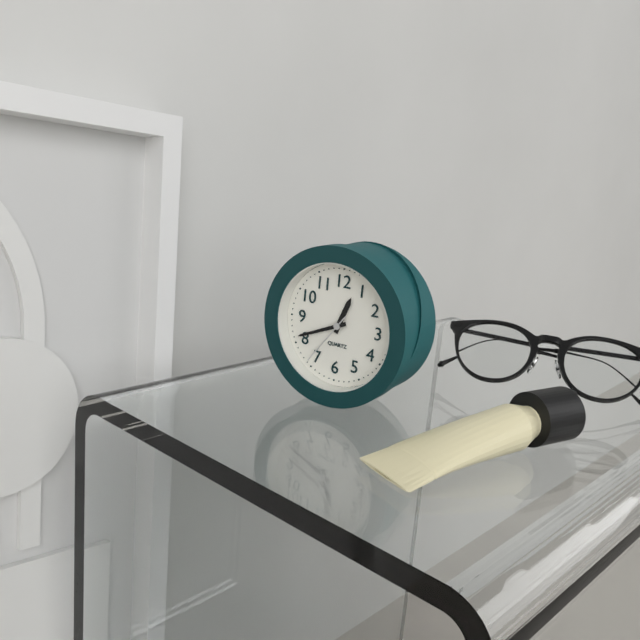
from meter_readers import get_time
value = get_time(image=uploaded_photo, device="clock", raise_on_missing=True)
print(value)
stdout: 12:41:36
